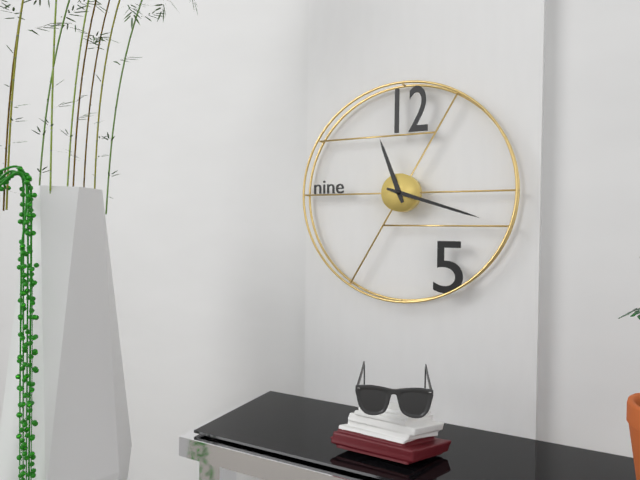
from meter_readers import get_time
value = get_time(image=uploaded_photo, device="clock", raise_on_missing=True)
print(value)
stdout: 11:18
